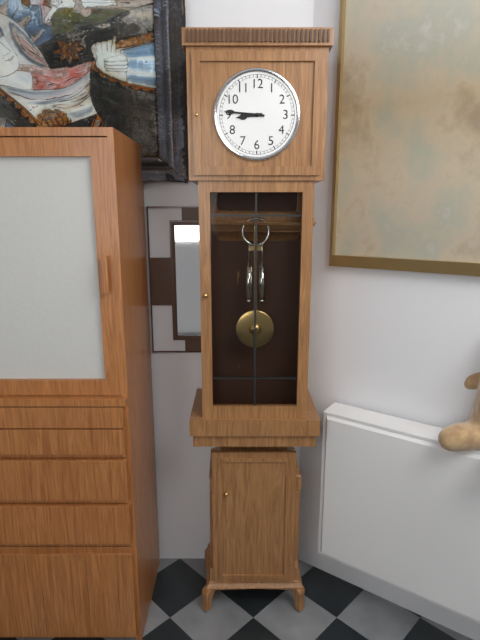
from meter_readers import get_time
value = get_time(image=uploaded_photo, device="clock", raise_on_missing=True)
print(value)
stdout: 8:46
